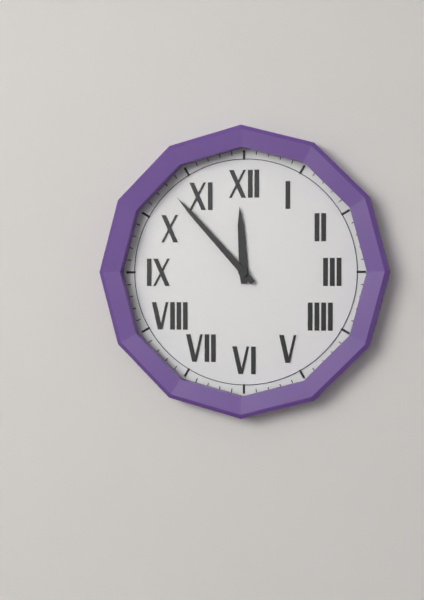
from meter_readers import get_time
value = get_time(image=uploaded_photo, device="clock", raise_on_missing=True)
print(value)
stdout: 11:53
